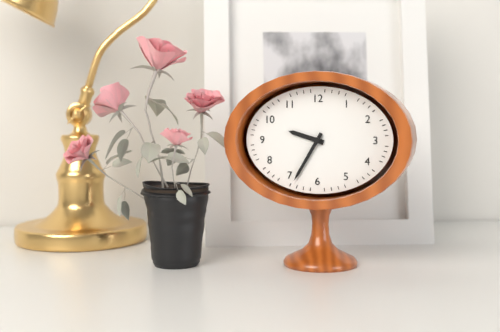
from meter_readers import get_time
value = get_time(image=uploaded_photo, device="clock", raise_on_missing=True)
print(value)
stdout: 9:35
